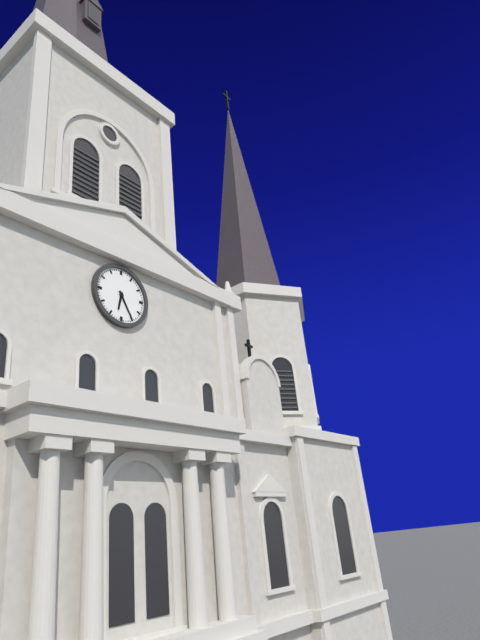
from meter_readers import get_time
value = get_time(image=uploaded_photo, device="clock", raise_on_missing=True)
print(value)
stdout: 6:25
